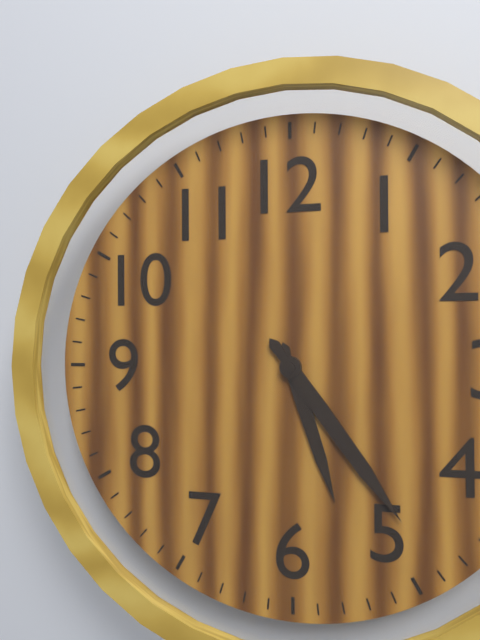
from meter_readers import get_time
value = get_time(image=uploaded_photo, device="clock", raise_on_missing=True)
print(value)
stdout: 5:24
